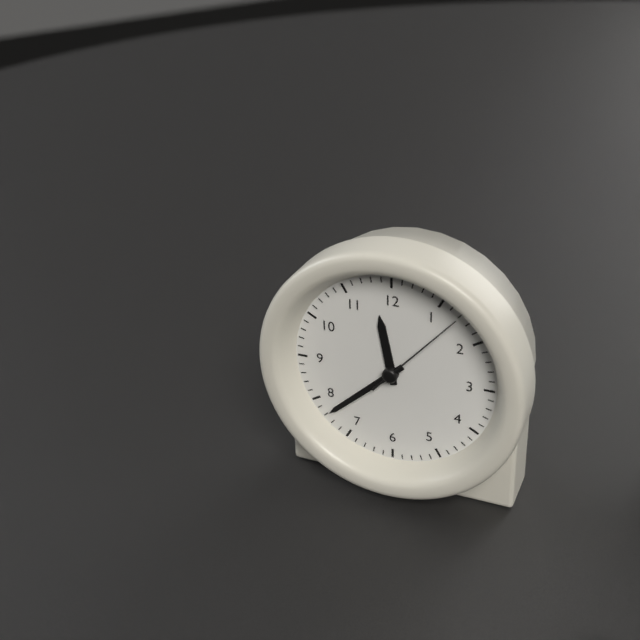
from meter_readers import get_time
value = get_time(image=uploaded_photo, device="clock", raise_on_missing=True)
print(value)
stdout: 11:38:07
